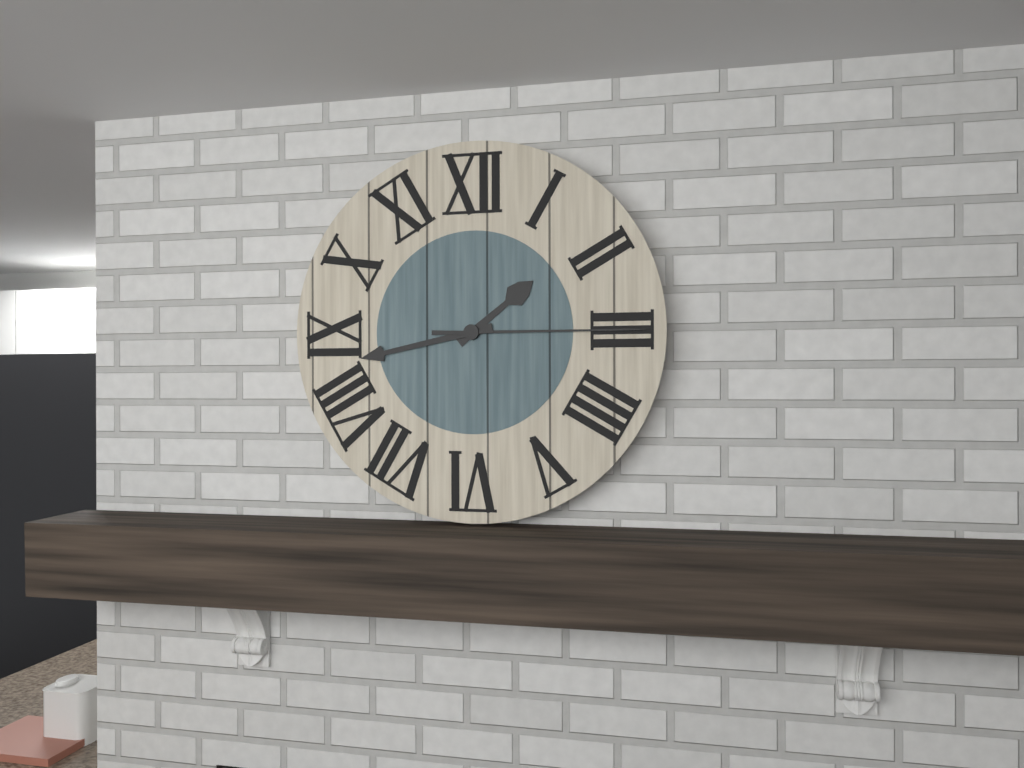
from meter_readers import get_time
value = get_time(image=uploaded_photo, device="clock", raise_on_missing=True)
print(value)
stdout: 1:43:15
